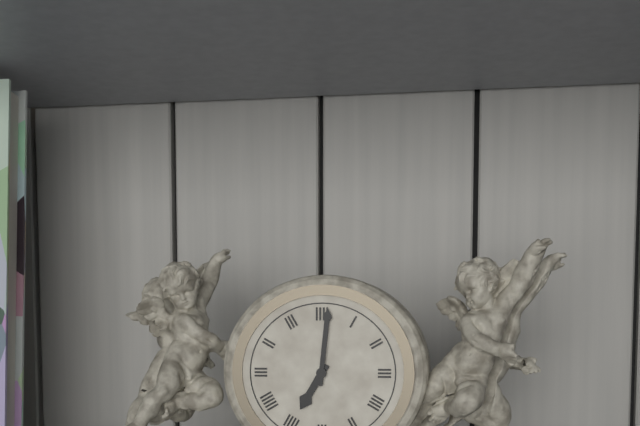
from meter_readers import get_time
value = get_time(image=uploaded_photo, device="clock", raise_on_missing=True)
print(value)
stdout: 7:01
